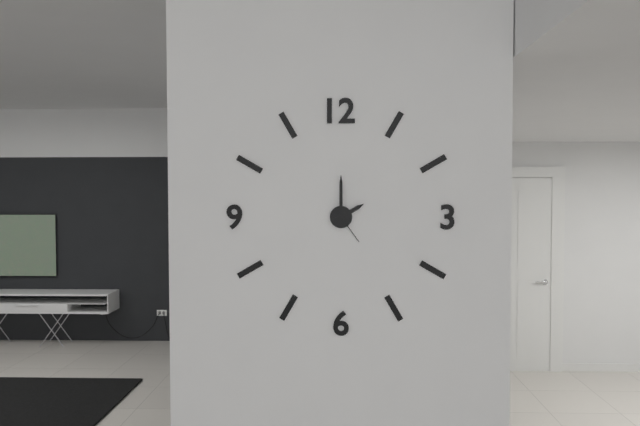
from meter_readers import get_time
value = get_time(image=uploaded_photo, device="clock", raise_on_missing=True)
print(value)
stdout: 2:00
